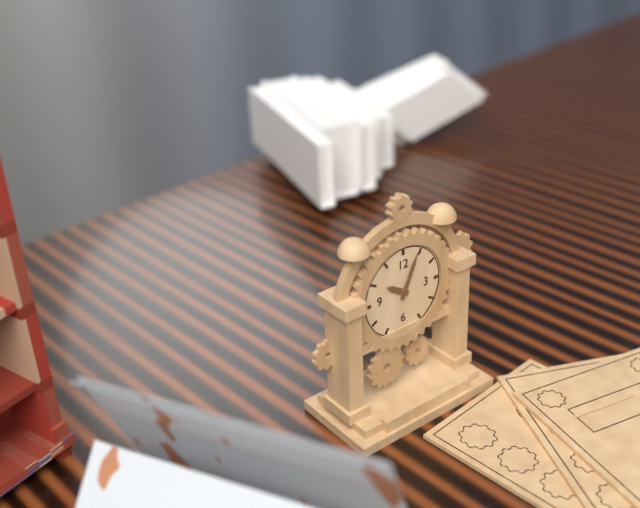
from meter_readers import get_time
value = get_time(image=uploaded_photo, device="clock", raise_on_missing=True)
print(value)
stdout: 10:04
